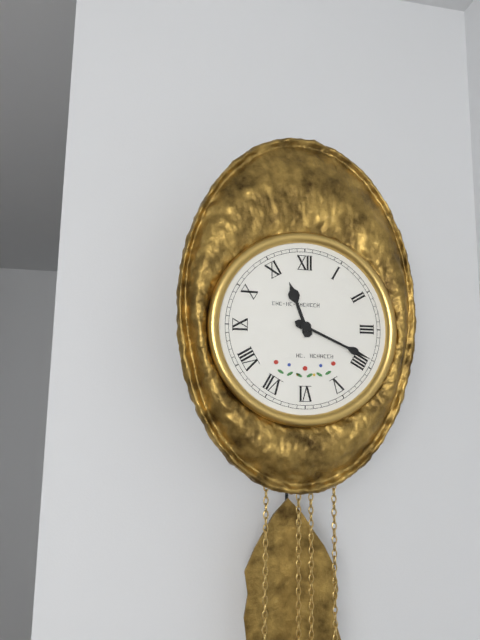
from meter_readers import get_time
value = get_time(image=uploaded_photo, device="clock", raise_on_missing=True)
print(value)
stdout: 11:19
